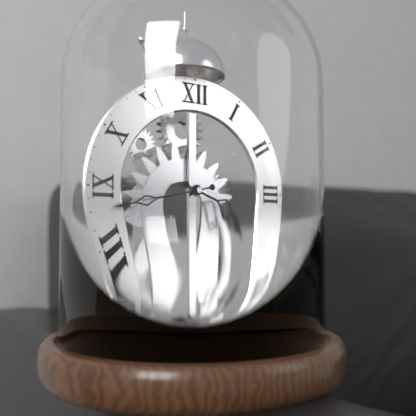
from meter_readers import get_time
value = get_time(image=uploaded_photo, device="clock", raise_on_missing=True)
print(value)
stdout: 3:43
